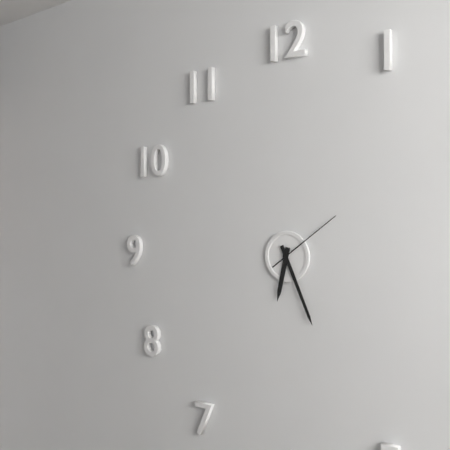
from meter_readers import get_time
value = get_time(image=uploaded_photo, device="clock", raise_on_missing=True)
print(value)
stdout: 6:26:09
